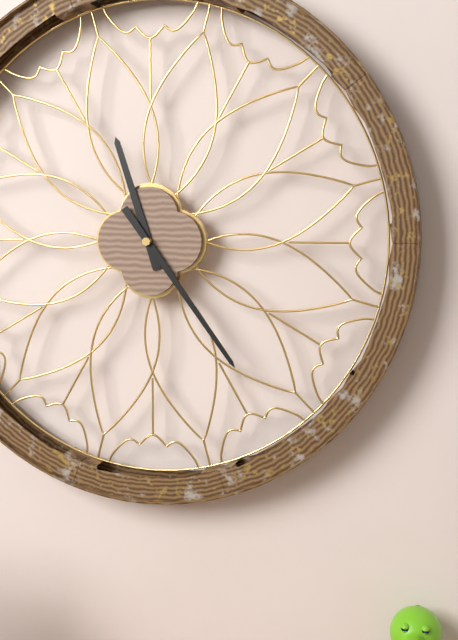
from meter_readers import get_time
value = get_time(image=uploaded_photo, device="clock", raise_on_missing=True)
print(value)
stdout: 11:24
